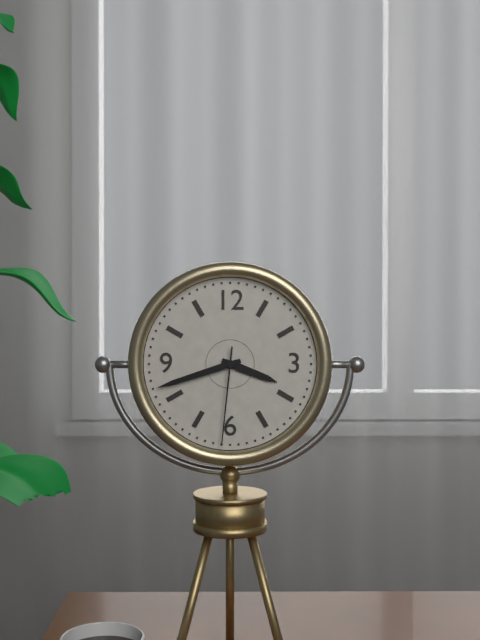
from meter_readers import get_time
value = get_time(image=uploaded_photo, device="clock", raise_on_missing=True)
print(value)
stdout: 3:42:31
